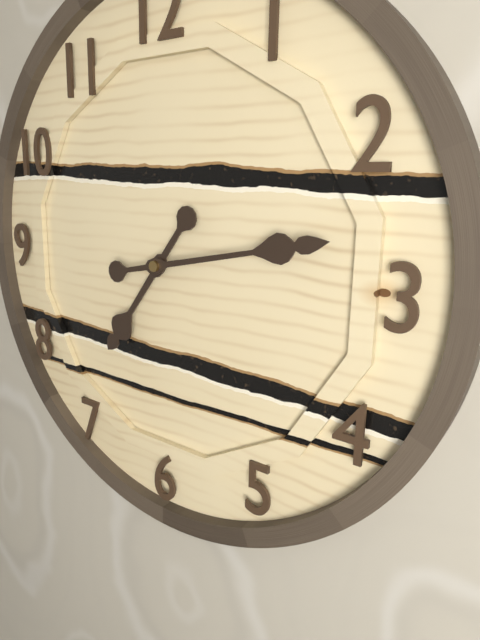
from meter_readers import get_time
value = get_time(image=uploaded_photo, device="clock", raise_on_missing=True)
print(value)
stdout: 7:13
